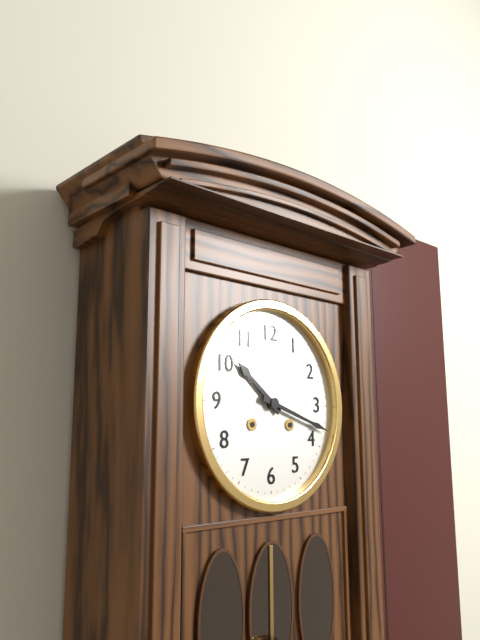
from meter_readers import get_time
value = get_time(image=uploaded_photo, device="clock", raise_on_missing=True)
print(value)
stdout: 10:18
